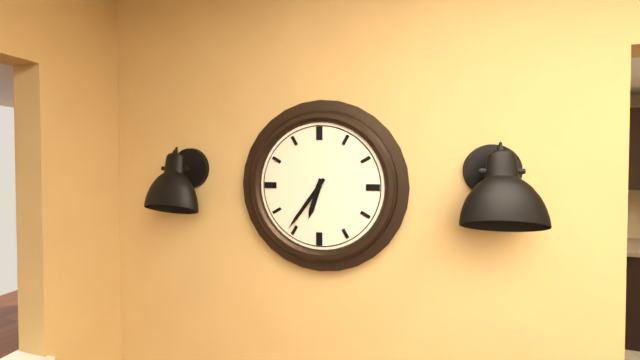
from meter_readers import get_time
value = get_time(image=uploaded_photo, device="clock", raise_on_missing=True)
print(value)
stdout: 6:36
